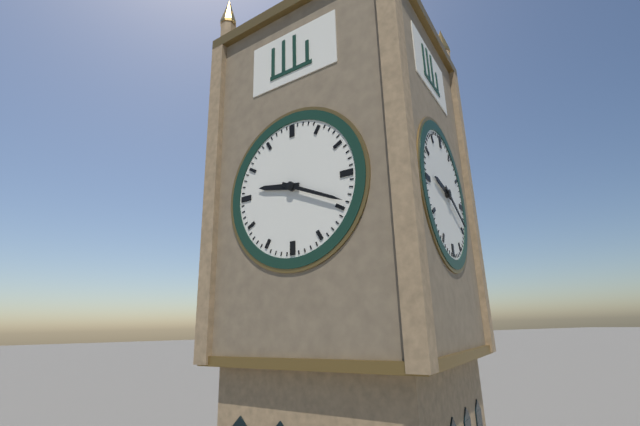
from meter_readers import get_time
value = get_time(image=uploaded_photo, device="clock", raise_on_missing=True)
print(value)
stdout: 9:19
